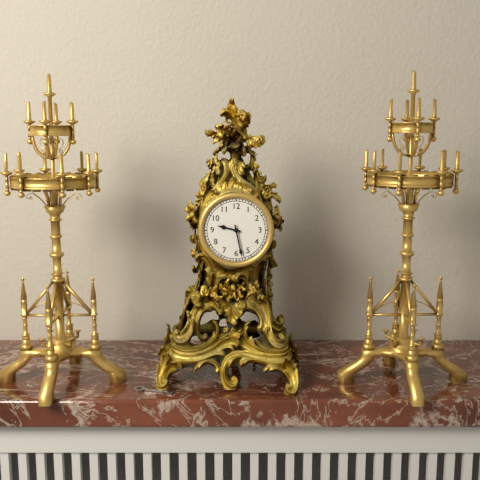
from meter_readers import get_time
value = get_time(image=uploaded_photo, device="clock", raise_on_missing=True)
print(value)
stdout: 9:28
